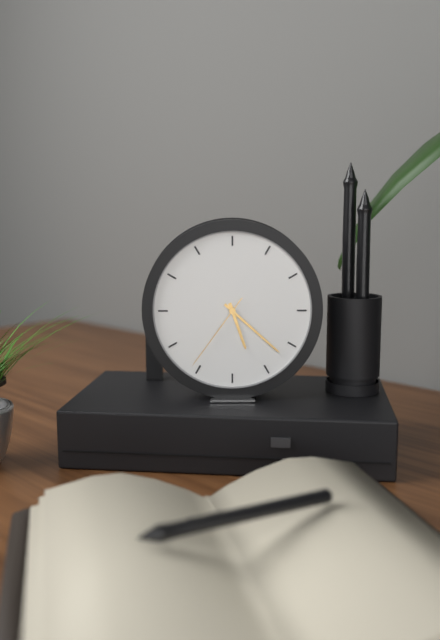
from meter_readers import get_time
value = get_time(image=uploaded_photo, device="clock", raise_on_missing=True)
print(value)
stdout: 5:22:36
